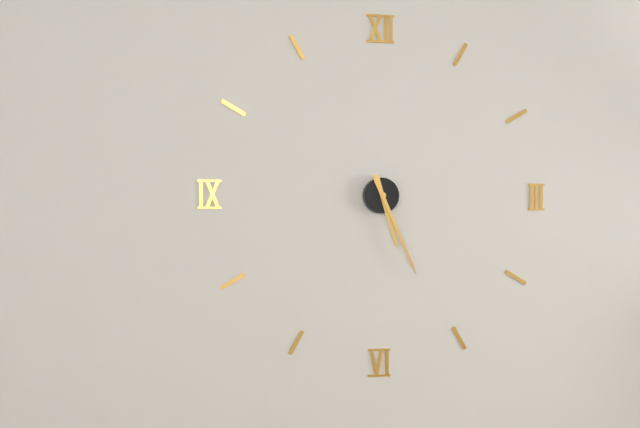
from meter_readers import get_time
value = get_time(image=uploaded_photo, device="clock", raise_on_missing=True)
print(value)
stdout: 5:26
